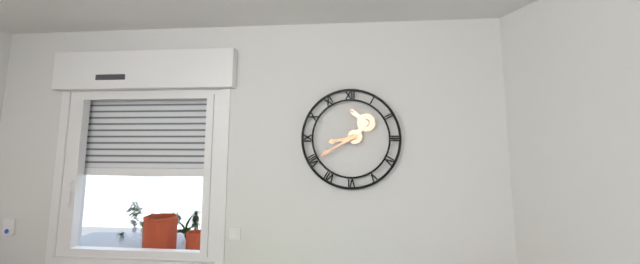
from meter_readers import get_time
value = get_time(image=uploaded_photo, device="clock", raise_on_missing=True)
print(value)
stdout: 8:40
